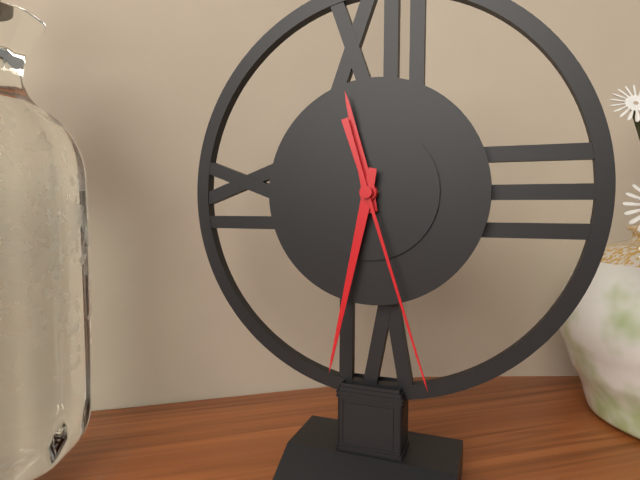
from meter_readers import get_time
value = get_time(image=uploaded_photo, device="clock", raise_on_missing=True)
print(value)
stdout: 11:32:27
